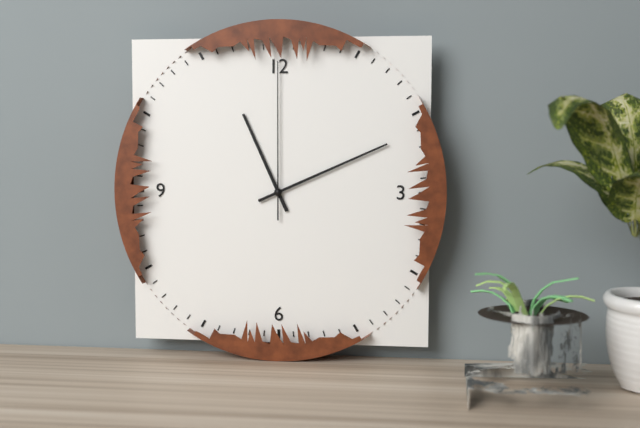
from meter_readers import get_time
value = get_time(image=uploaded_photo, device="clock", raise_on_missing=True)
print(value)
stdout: 11:11:00
